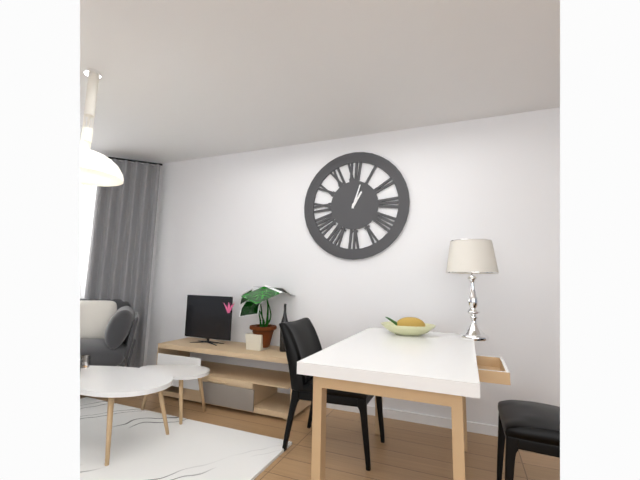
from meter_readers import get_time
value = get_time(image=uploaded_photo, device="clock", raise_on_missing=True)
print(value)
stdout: 1:03
